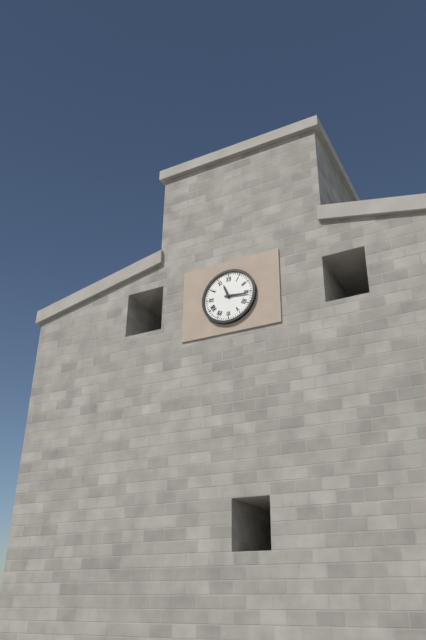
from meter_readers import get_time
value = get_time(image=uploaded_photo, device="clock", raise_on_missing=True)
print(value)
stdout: 11:16
